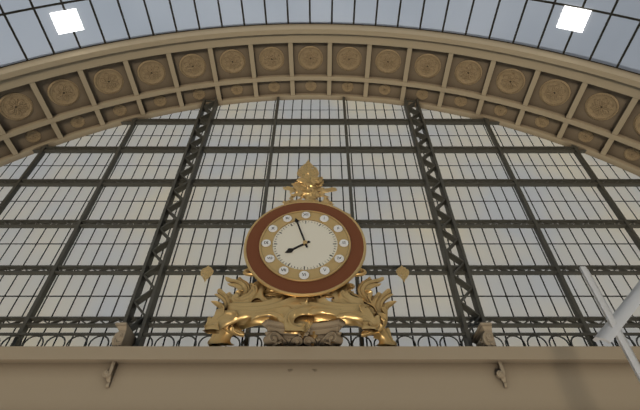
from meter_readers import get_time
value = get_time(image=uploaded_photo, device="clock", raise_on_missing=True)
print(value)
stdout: 7:57
